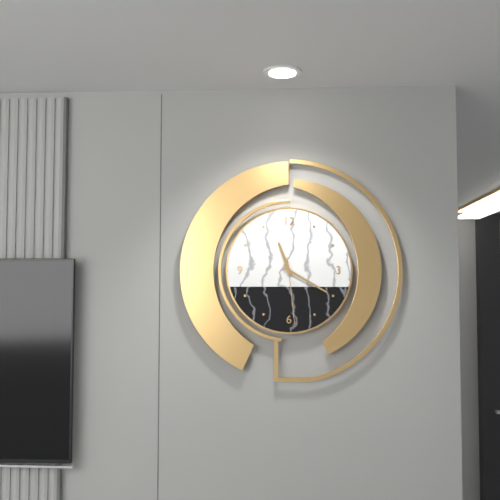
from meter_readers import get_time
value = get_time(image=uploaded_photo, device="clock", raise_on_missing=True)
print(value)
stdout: 11:20:29
